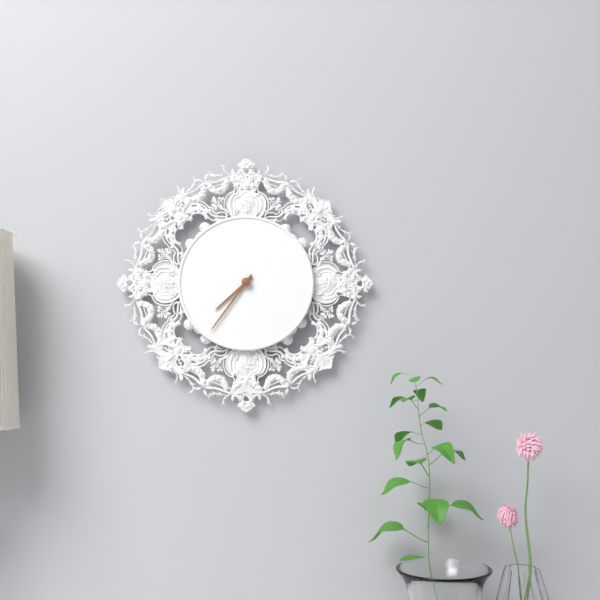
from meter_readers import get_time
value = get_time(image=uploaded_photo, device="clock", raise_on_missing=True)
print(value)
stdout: 7:36
